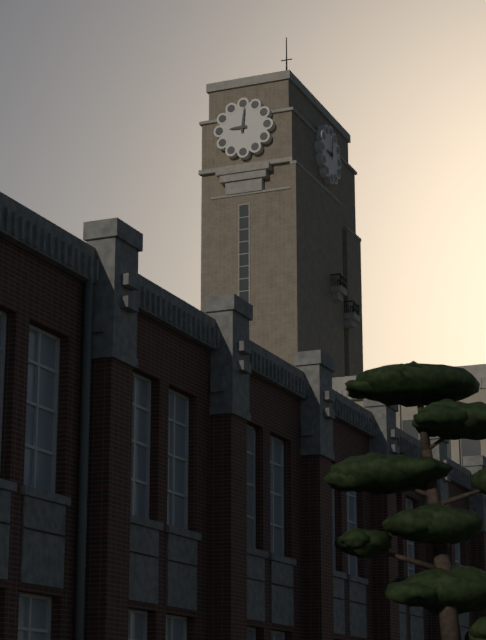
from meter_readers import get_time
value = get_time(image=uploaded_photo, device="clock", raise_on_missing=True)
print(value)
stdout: 9:01
